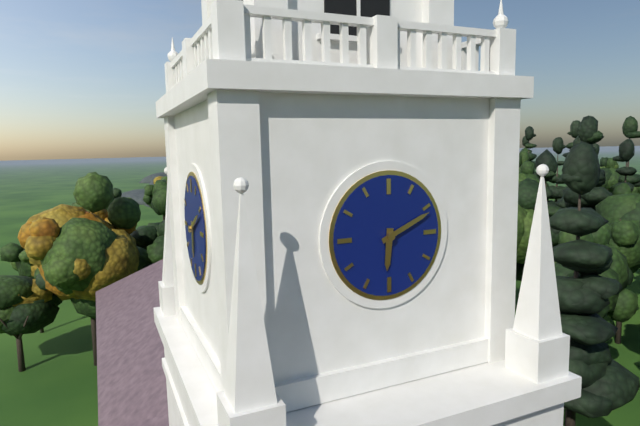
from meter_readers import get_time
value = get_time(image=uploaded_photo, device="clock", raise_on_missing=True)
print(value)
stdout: 6:11
